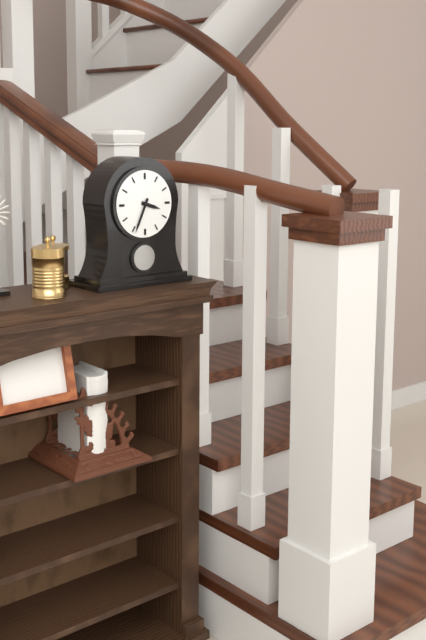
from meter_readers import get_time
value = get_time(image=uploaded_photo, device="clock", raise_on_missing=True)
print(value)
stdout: 3:34
